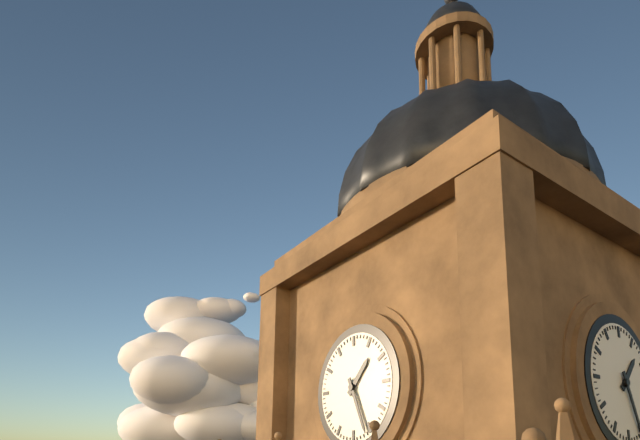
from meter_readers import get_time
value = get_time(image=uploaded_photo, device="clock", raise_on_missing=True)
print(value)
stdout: 1:26
